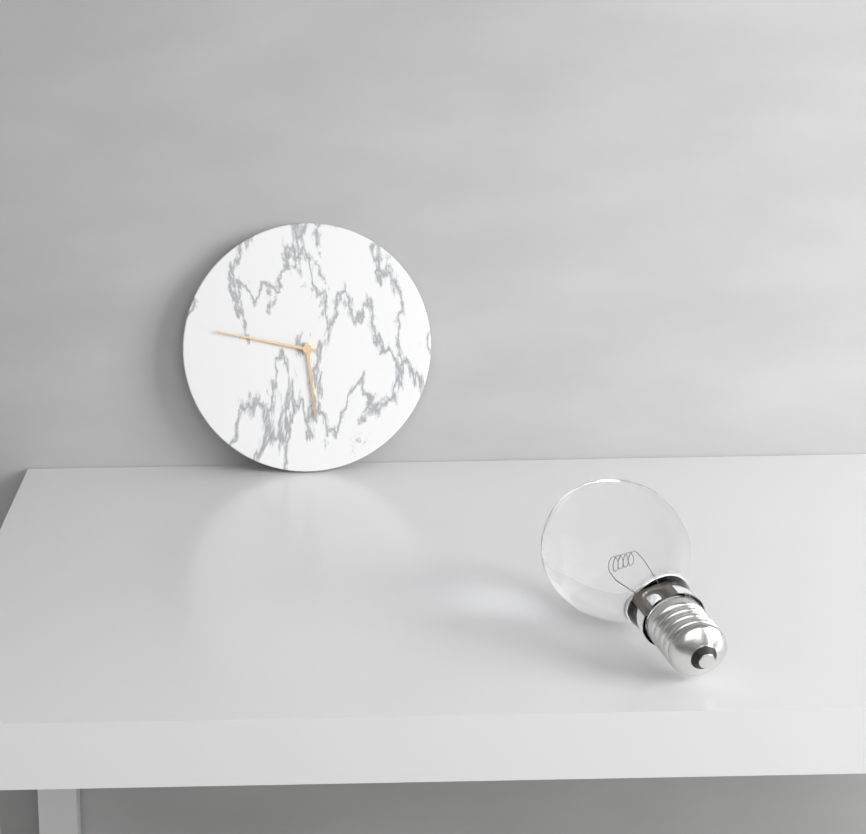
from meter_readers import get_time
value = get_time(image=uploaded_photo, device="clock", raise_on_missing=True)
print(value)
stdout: 5:47
